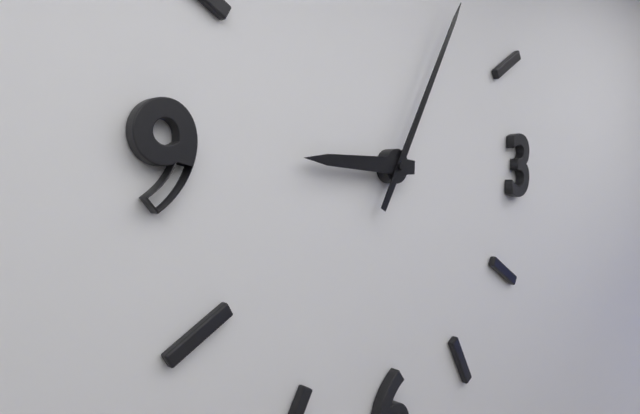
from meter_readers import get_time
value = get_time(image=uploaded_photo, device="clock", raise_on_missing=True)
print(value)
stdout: 9:05
